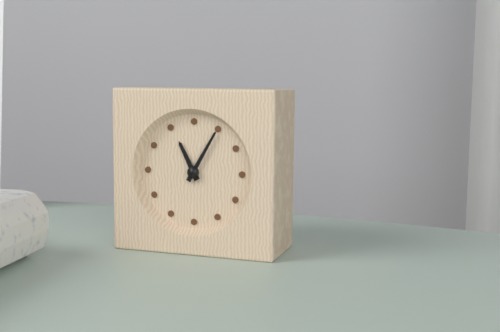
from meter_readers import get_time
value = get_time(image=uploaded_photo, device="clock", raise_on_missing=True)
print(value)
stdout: 11:05
